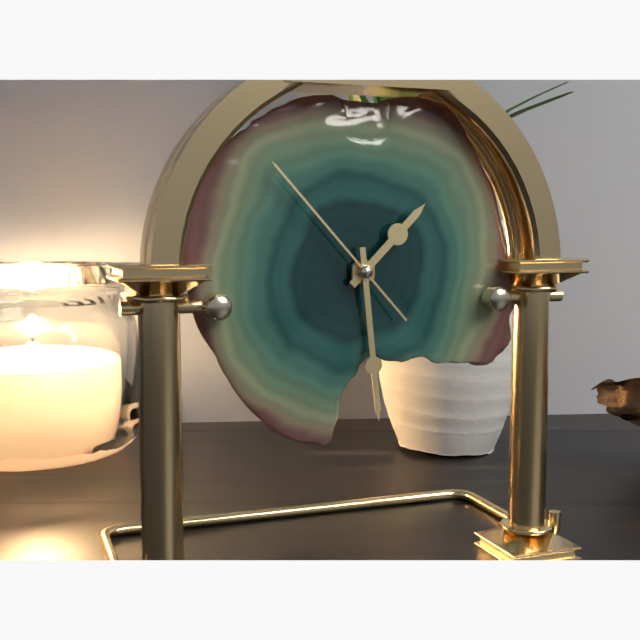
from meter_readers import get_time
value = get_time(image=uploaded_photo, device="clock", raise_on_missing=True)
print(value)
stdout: 1:29:53
